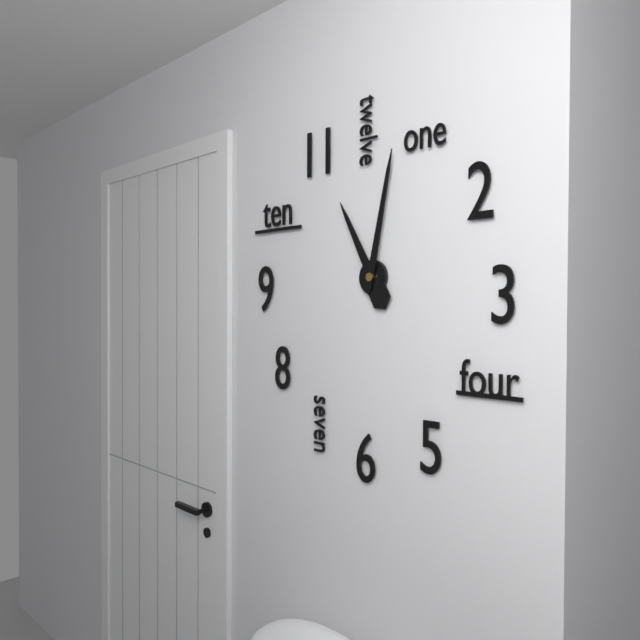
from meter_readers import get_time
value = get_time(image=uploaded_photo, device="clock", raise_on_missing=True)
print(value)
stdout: 11:02
